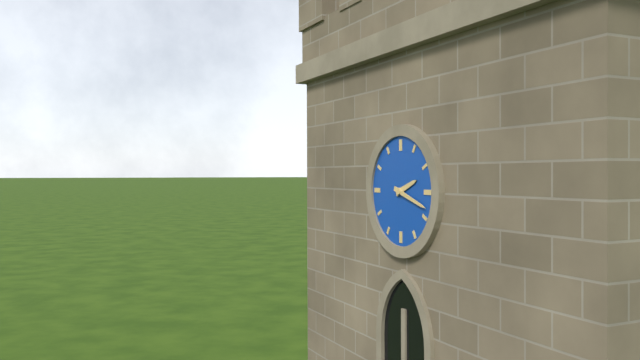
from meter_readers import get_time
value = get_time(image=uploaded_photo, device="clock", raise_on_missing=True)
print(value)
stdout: 2:18
